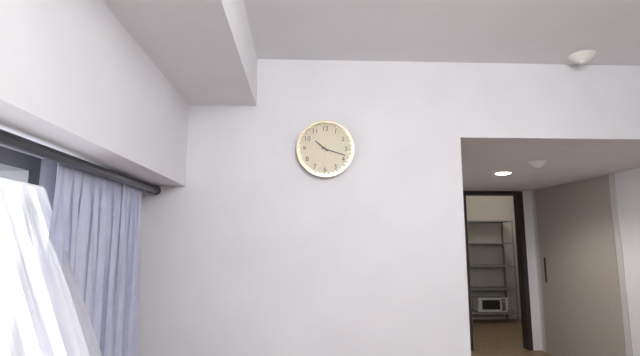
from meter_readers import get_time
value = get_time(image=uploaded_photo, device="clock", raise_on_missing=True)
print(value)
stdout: 10:18
